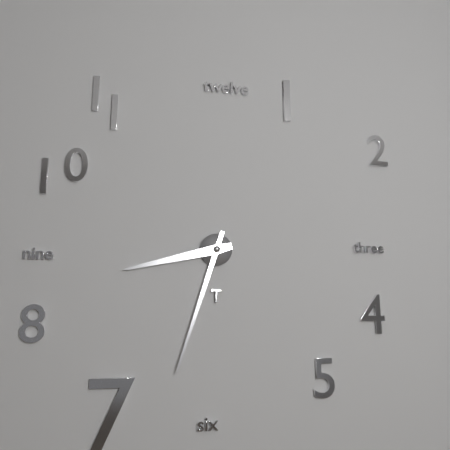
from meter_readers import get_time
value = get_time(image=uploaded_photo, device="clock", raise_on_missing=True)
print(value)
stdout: 8:33
